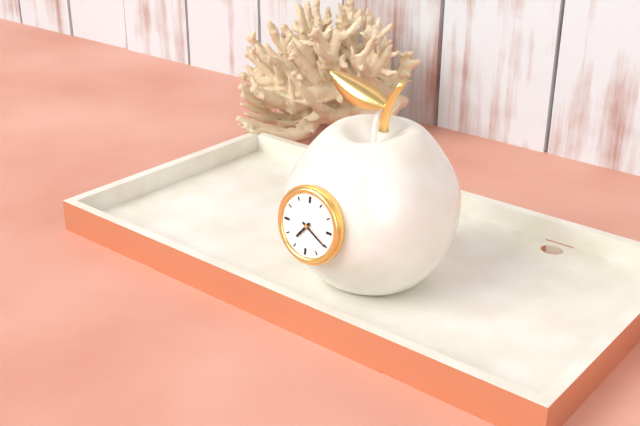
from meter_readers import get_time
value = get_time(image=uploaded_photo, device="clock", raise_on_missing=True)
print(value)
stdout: 7:20
